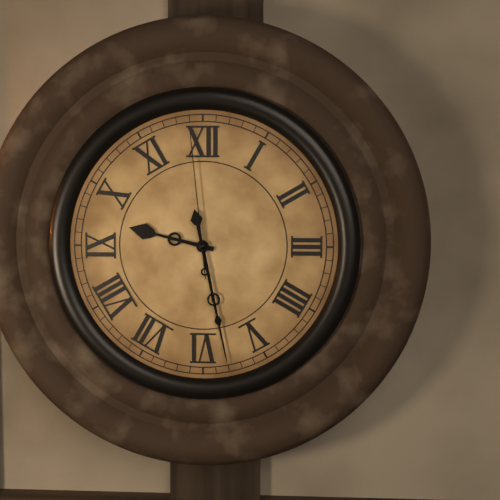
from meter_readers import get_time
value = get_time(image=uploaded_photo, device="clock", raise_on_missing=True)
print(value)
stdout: 9:28:59
